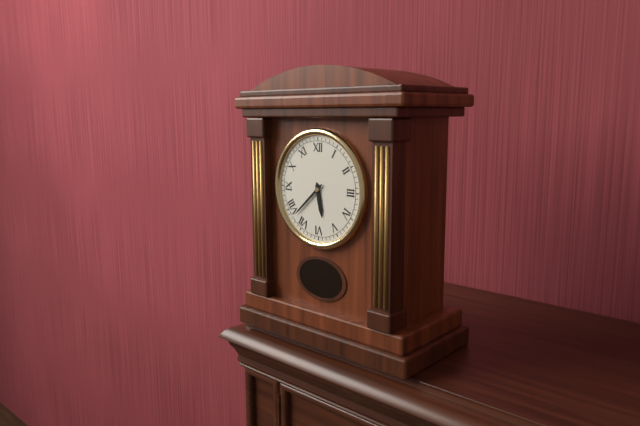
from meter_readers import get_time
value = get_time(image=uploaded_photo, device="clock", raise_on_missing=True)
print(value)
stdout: 5:38
